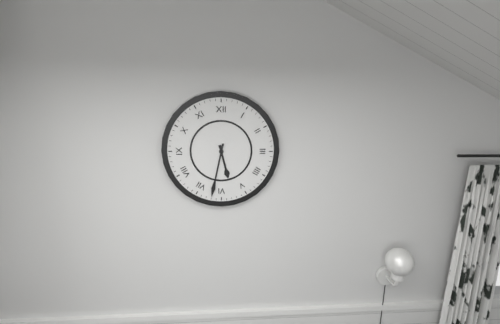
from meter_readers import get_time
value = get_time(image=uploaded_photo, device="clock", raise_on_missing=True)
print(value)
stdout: 5:32
